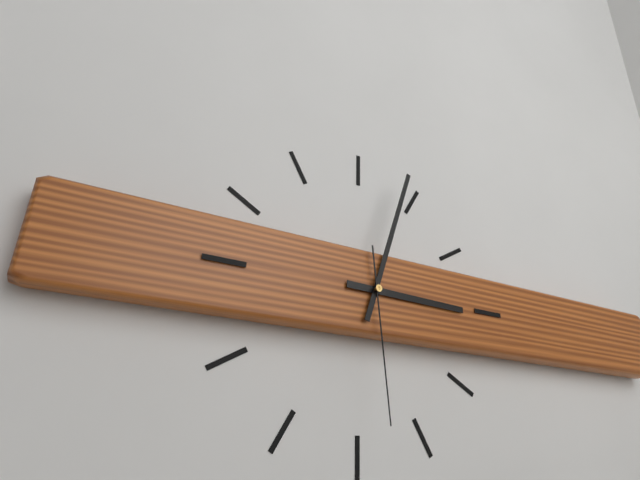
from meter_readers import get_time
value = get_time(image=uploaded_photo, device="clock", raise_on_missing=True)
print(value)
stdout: 3:03:29
